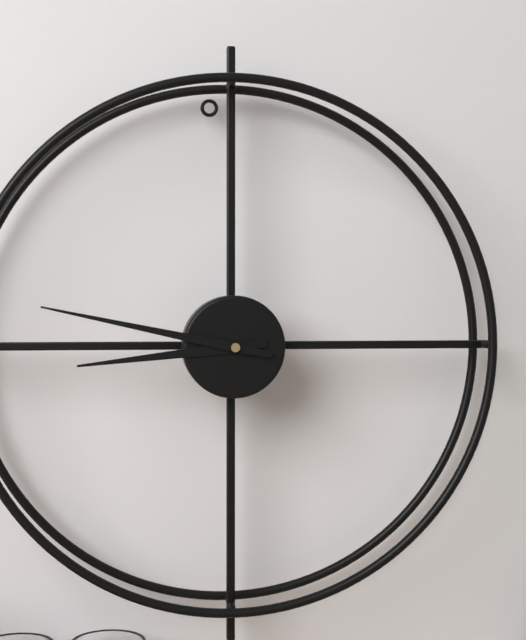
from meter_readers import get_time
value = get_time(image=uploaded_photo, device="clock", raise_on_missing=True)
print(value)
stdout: 8:47
